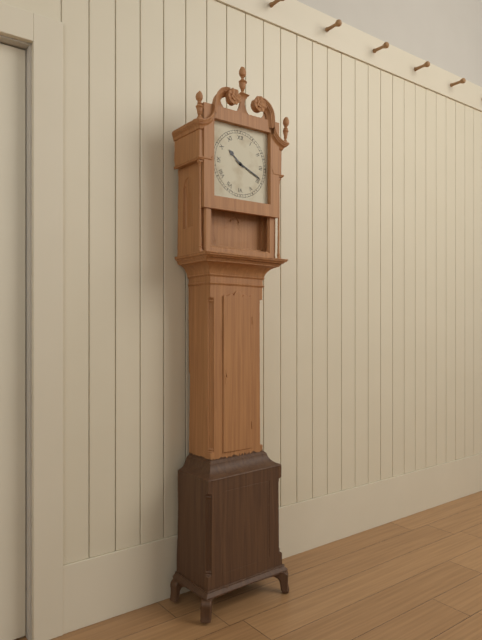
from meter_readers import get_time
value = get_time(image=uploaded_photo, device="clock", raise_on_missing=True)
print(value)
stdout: 10:19
